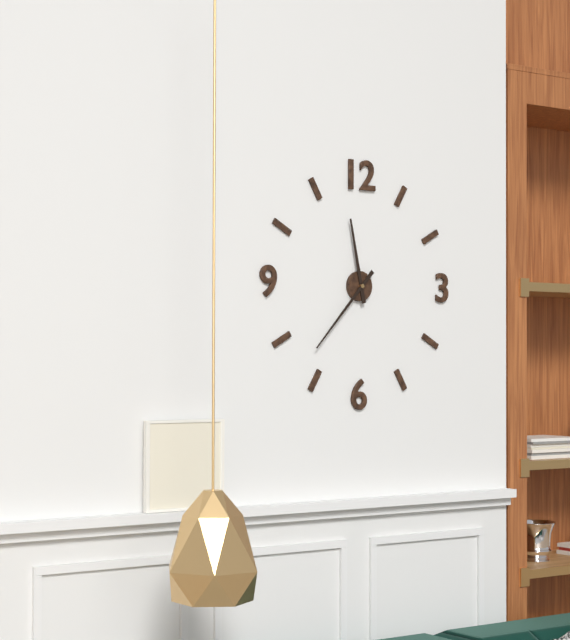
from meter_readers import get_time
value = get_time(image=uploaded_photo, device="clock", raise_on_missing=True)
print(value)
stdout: 11:37
